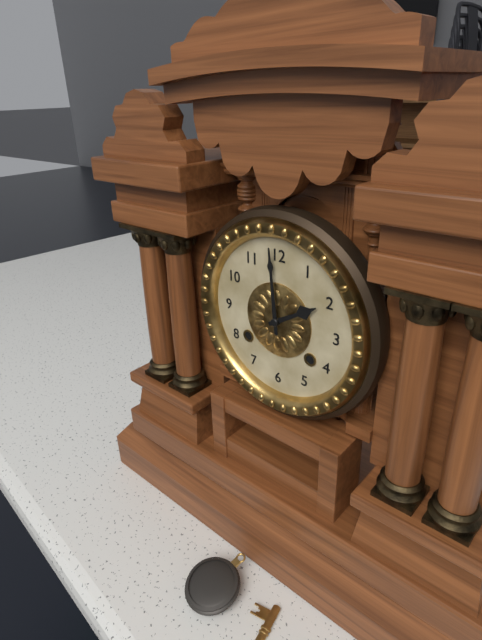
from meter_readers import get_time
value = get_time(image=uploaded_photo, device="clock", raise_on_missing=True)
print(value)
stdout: 1:59
